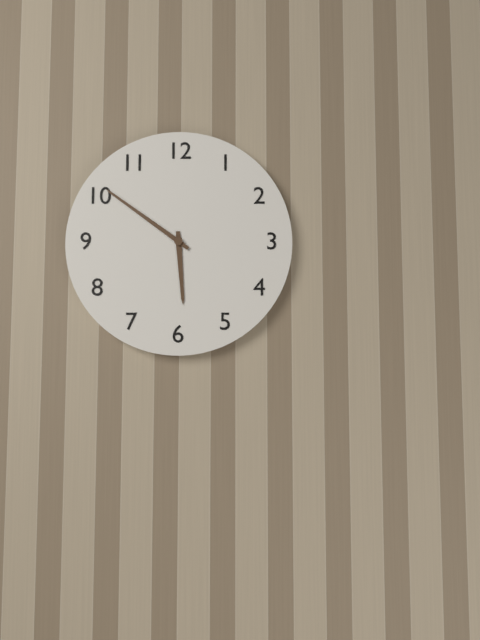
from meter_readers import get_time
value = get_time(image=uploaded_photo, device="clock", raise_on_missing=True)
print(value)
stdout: 5:51
